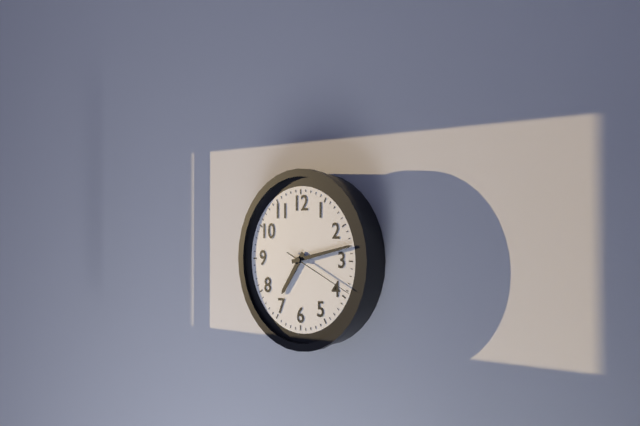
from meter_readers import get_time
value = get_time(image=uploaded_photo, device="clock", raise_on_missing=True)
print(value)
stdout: 7:13:19
